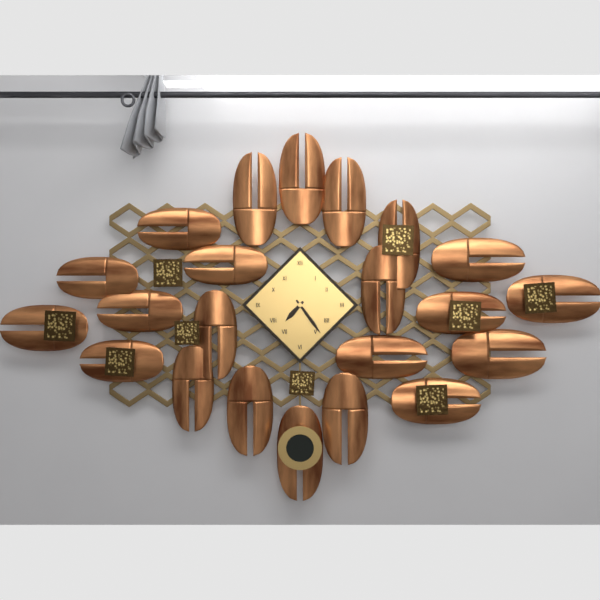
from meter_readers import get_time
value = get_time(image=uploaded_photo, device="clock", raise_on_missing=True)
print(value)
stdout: 7:24
